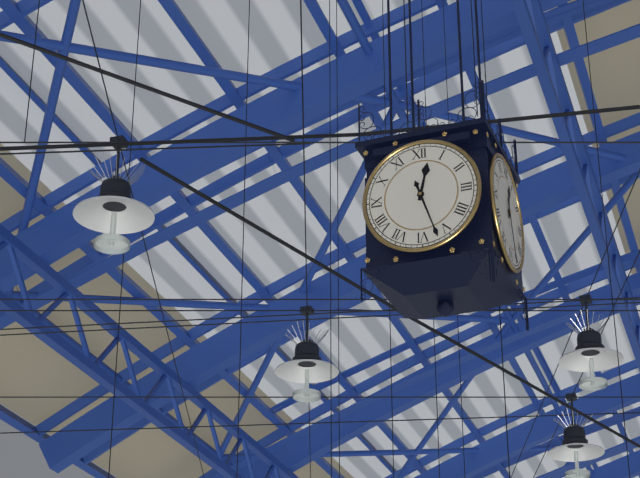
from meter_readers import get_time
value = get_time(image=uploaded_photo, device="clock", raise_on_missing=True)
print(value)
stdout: 12:27
